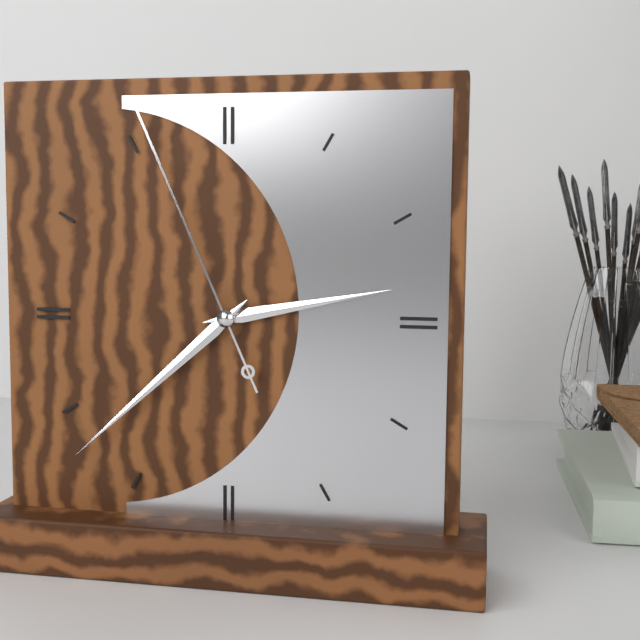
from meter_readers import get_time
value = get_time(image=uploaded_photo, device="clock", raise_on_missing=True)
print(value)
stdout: 2:38:56
